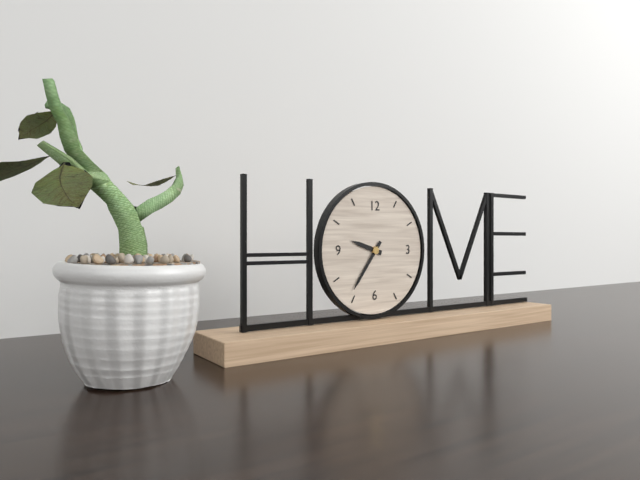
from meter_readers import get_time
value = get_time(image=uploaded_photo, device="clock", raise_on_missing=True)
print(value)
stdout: 9:36
